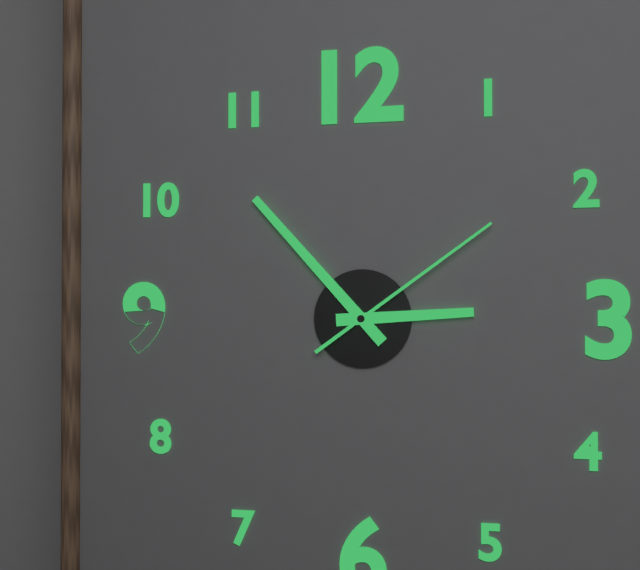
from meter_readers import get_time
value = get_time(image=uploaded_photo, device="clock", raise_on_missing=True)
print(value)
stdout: 2:53:09
